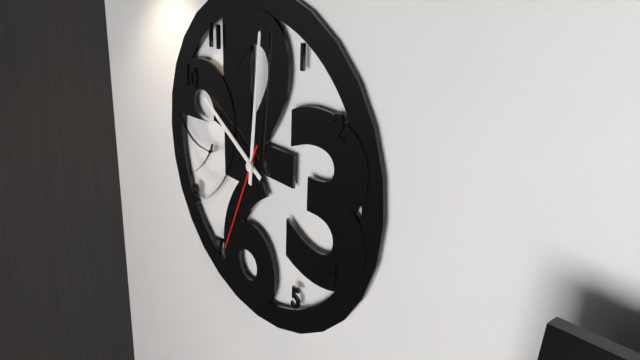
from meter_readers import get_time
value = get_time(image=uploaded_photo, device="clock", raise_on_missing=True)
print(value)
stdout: 10:01:34
